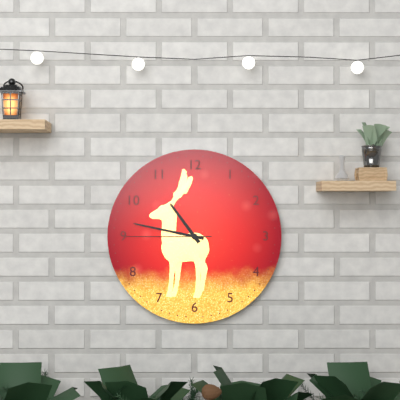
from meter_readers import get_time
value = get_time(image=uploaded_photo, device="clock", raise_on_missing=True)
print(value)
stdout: 10:47:45
